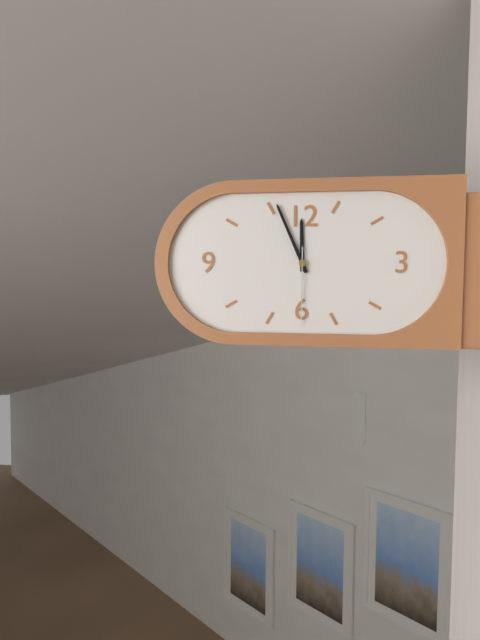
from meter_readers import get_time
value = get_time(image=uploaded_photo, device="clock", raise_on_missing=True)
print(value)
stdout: 11:56:30
